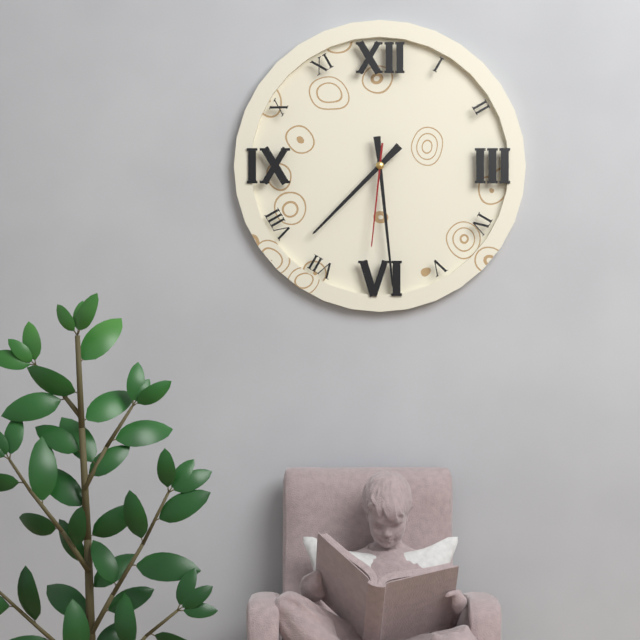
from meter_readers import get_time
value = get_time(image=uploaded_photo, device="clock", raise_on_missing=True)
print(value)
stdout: 7:29:31
